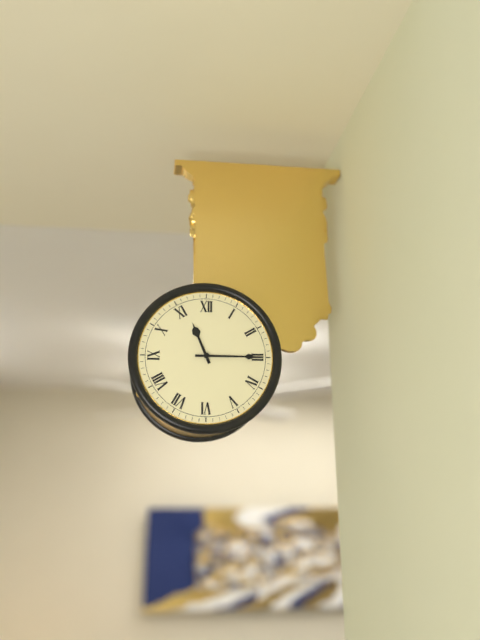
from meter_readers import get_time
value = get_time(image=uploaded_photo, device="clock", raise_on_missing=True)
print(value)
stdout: 11:15
